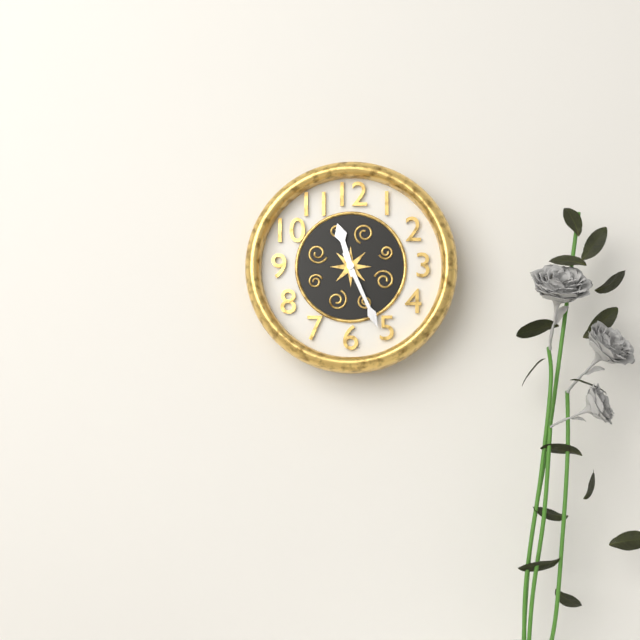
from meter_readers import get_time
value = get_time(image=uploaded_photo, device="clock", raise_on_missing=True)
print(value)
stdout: 11:26
